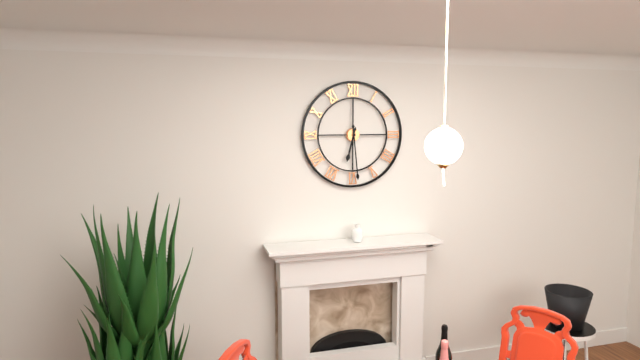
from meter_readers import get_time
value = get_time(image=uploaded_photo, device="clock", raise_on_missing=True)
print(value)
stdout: 6:29
